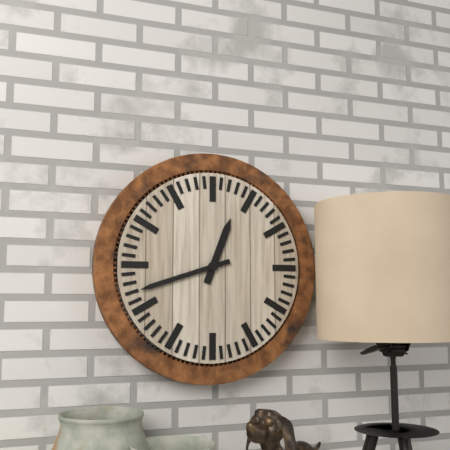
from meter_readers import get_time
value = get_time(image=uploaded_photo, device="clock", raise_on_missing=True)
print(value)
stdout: 12:42
